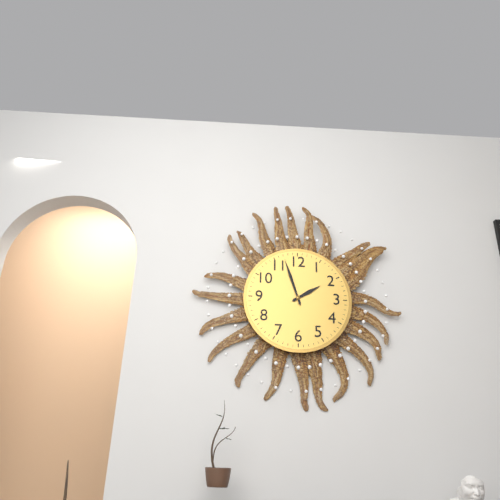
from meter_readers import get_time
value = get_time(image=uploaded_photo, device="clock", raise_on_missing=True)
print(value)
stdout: 1:57
